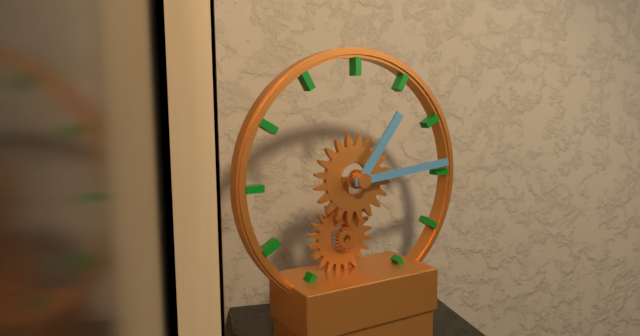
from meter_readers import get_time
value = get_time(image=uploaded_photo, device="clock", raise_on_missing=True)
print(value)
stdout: 1:14
